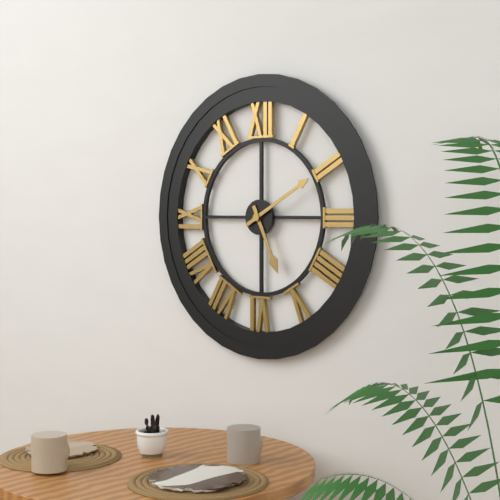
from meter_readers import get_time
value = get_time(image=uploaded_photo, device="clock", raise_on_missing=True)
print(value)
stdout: 5:10
